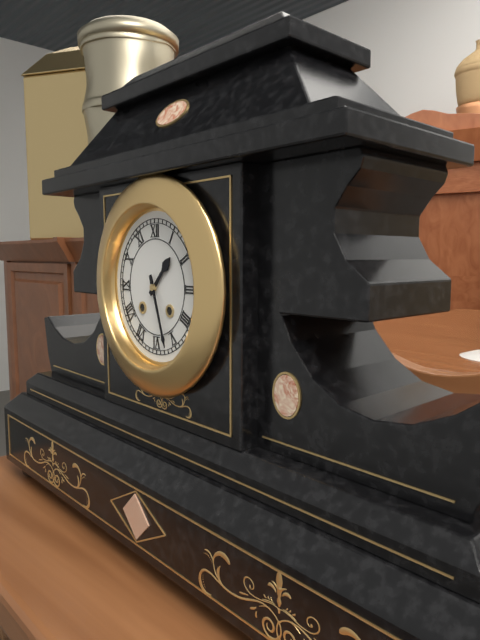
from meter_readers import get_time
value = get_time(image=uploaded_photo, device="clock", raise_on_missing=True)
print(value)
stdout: 1:27
